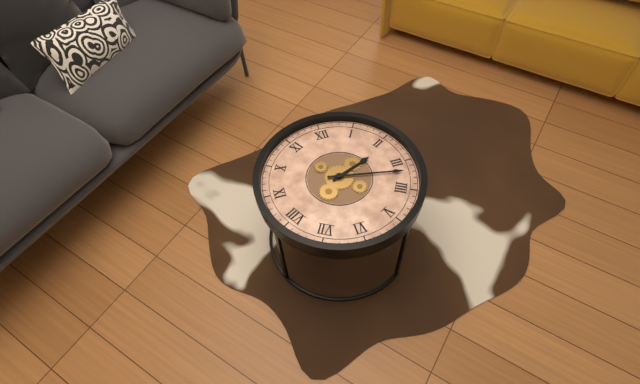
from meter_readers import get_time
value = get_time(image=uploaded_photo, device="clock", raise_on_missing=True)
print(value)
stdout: 2:17
